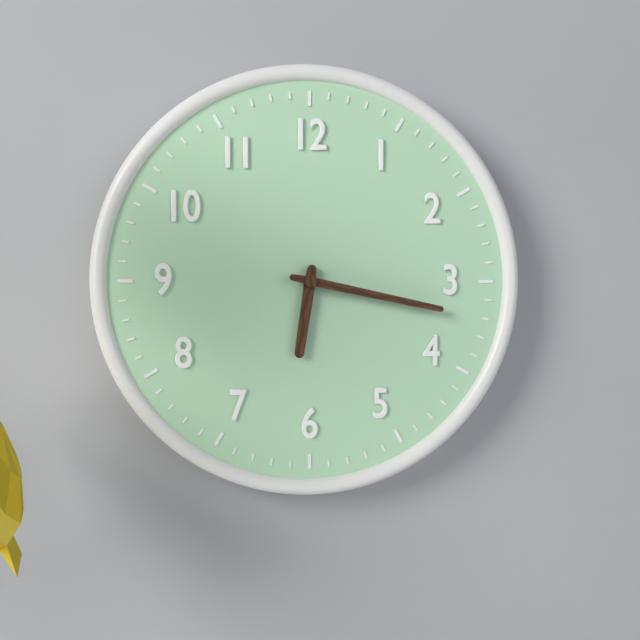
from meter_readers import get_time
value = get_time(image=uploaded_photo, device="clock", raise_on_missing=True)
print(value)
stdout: 6:17
